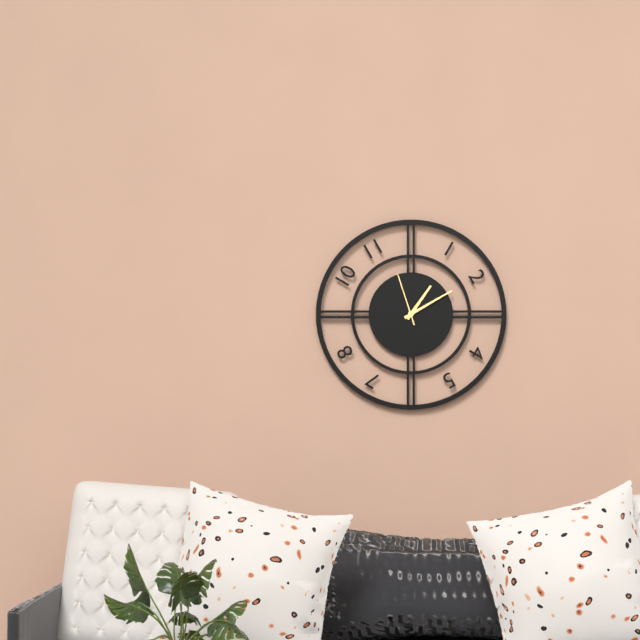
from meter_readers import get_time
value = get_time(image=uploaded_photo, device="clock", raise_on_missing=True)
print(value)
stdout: 1:10:57
